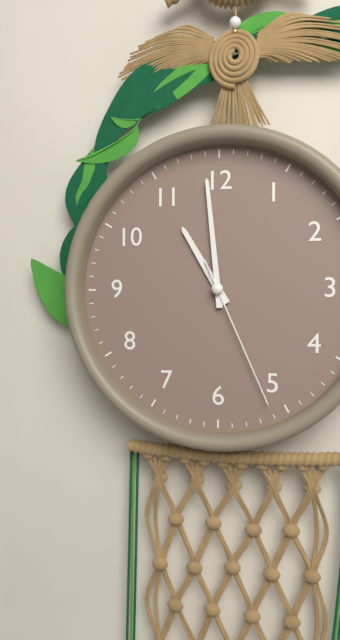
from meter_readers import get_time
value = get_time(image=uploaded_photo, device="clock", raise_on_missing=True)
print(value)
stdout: 10:59:26
